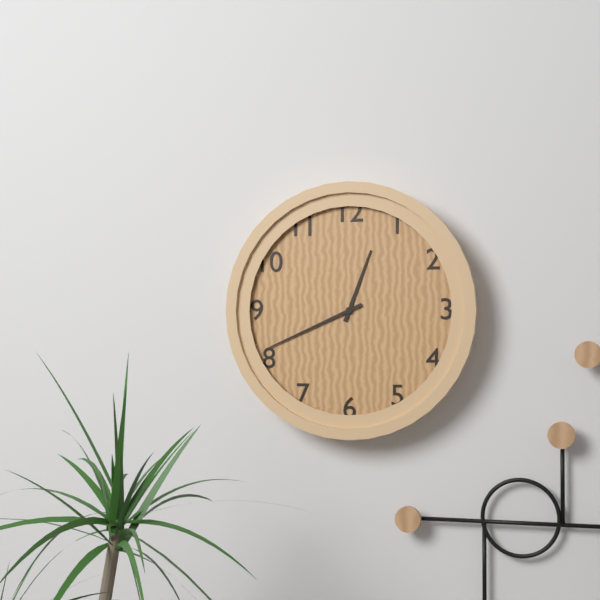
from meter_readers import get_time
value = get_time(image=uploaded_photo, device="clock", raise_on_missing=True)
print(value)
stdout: 12:41
